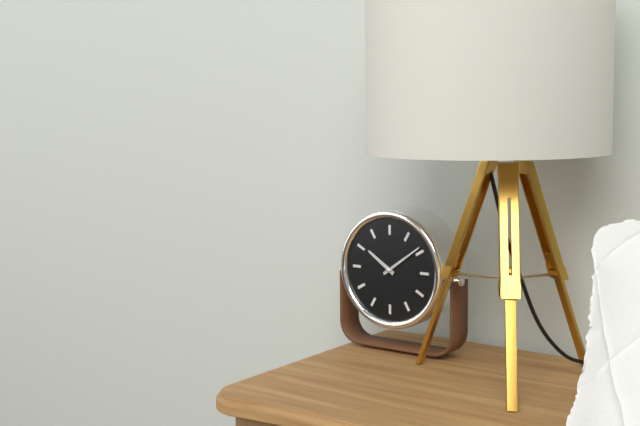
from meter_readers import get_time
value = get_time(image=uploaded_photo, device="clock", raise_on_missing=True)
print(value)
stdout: 10:09
